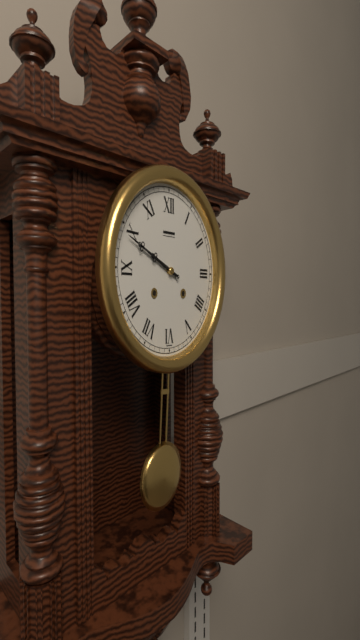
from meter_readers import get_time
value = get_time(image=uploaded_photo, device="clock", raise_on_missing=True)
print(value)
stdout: 9:49
